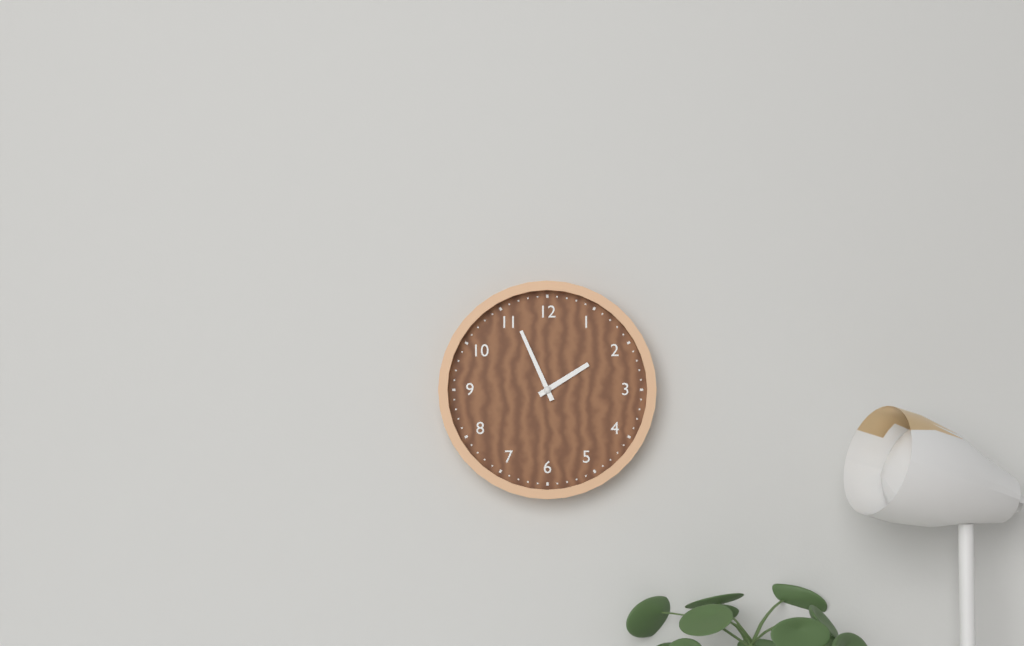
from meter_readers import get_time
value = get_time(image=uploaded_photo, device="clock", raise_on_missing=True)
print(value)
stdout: 1:56
